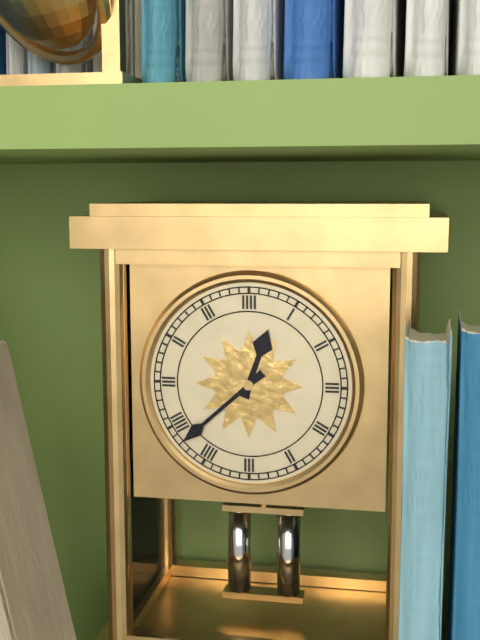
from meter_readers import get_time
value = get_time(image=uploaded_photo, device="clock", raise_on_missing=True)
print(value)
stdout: 12:38
